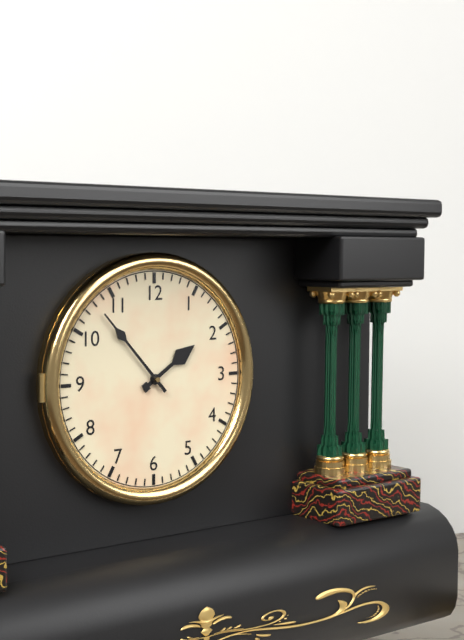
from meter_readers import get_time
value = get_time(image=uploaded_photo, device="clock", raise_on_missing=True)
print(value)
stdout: 1:53
